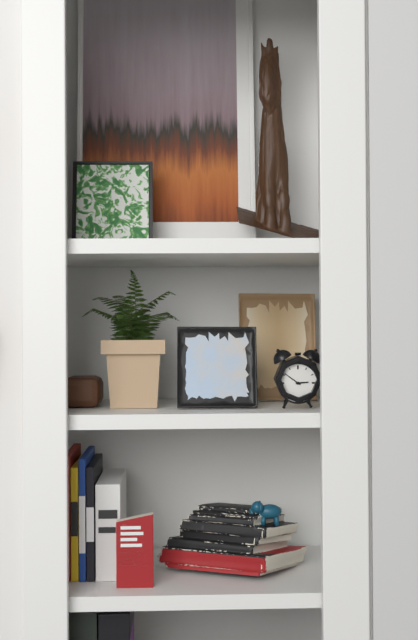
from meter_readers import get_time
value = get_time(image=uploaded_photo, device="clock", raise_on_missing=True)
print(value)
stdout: 2:51
